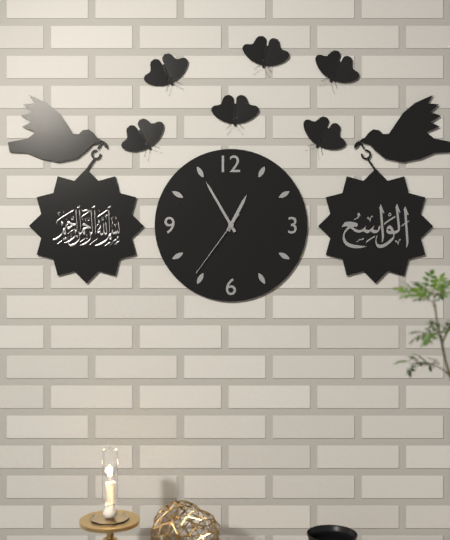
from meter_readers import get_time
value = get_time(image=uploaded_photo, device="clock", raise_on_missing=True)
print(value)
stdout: 12:55:36
